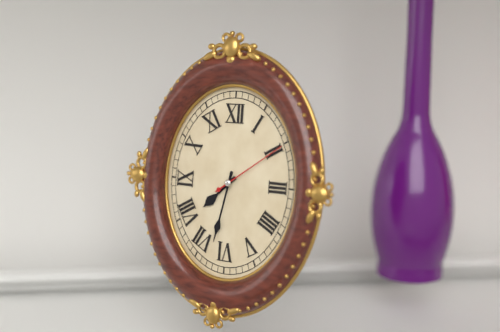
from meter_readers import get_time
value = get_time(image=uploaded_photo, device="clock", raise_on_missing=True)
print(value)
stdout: 7:32:09
